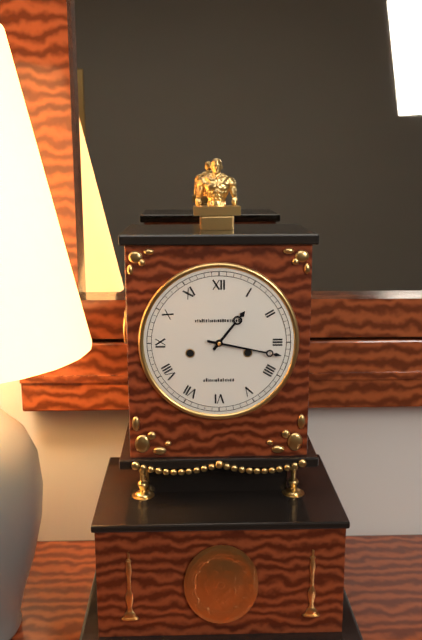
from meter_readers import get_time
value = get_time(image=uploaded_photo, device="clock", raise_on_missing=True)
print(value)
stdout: 1:17
